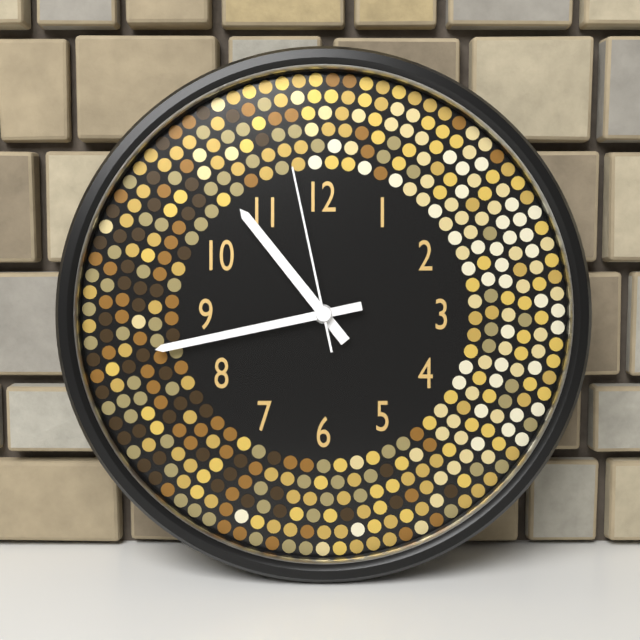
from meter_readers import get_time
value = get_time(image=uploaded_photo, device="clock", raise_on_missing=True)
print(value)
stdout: 10:43:58
